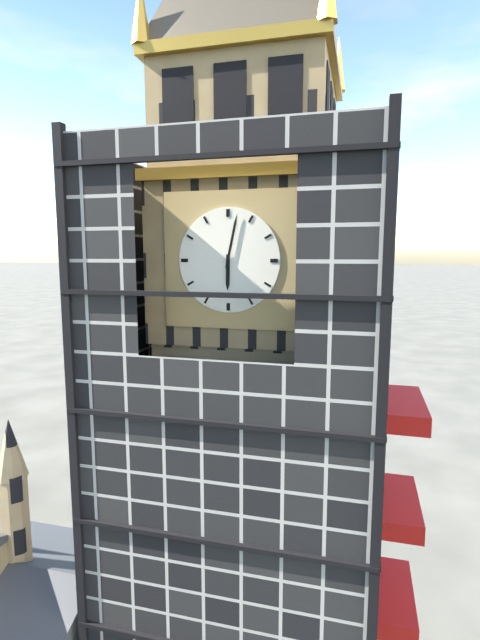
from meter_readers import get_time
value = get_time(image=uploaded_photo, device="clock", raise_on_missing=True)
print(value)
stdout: 6:02
